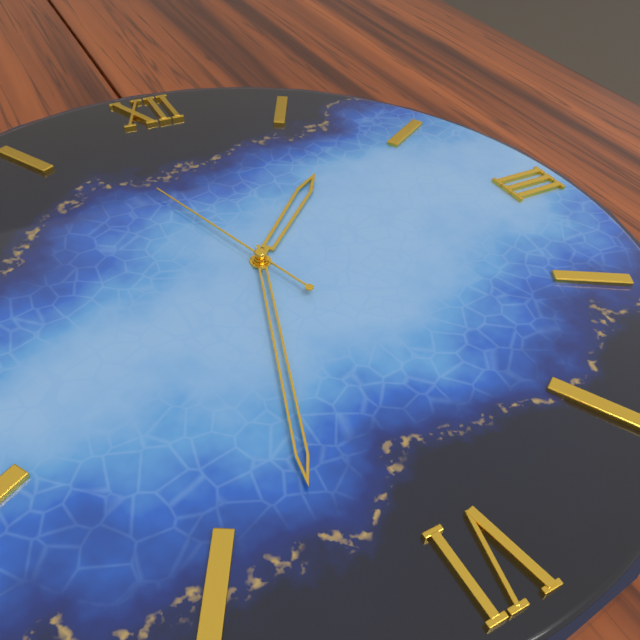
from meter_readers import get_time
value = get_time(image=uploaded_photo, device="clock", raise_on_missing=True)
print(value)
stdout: 1:33:57
